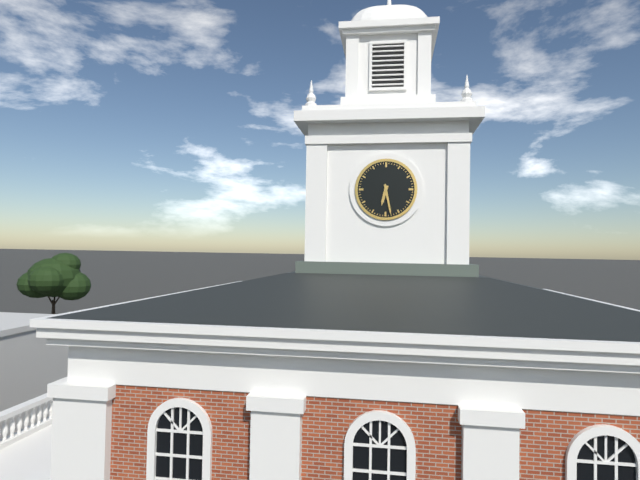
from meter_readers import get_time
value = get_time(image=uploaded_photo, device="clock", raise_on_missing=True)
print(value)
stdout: 6:28
